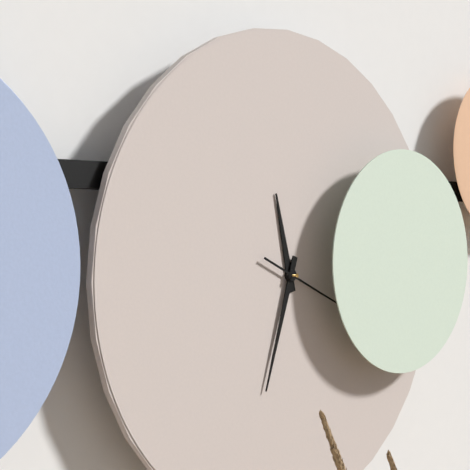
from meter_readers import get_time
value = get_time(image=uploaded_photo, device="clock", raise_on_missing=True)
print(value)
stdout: 11:33
